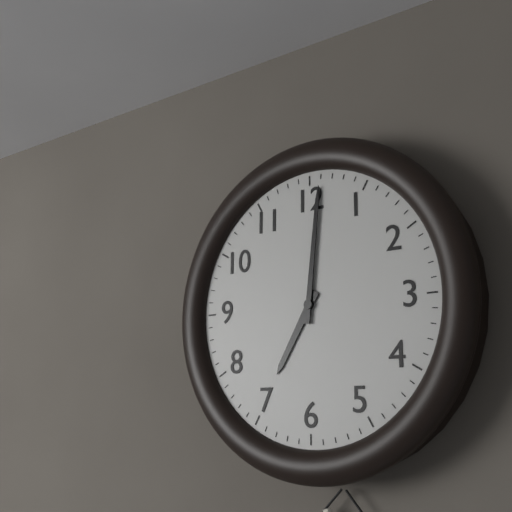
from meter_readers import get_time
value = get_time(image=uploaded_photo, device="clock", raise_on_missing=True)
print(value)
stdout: 7:01
